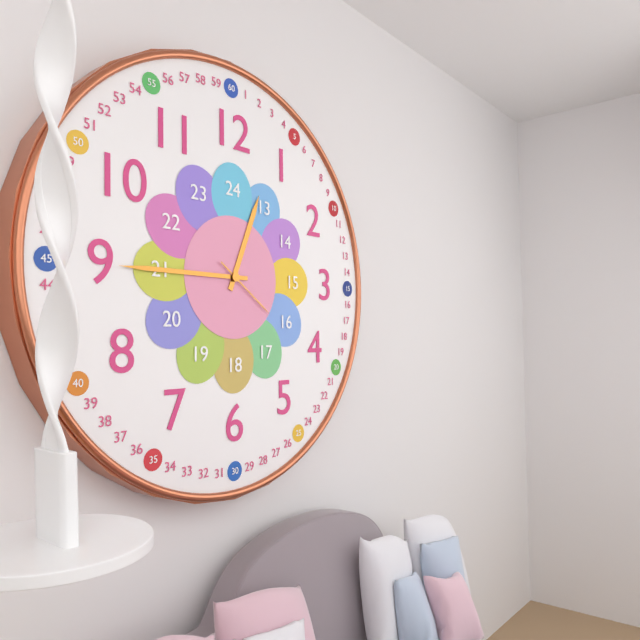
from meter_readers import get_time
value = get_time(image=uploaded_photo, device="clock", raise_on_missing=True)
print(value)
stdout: 12:45:21
